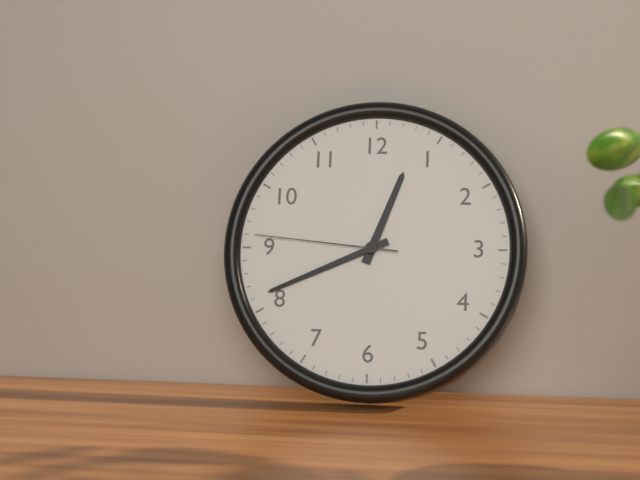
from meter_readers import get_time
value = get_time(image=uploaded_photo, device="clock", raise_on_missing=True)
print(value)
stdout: 12:41:46
